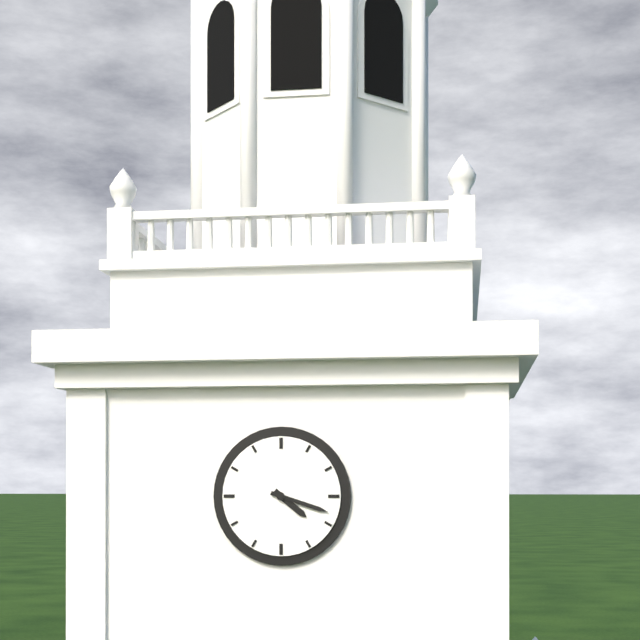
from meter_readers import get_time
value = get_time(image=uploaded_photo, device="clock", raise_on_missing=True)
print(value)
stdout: 4:18
